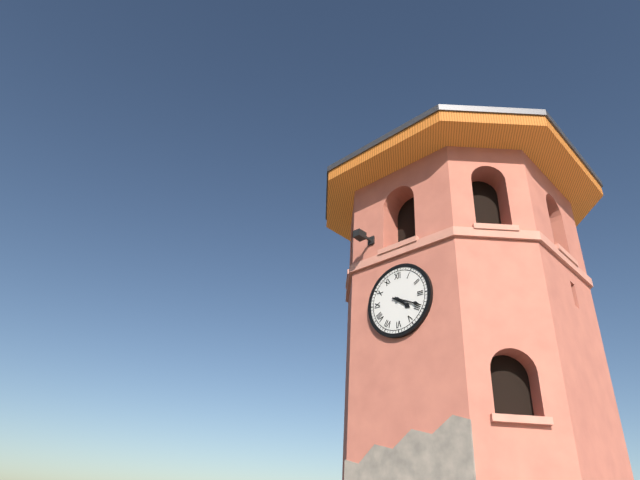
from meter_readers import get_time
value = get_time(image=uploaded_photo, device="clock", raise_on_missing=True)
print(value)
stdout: 4:19
